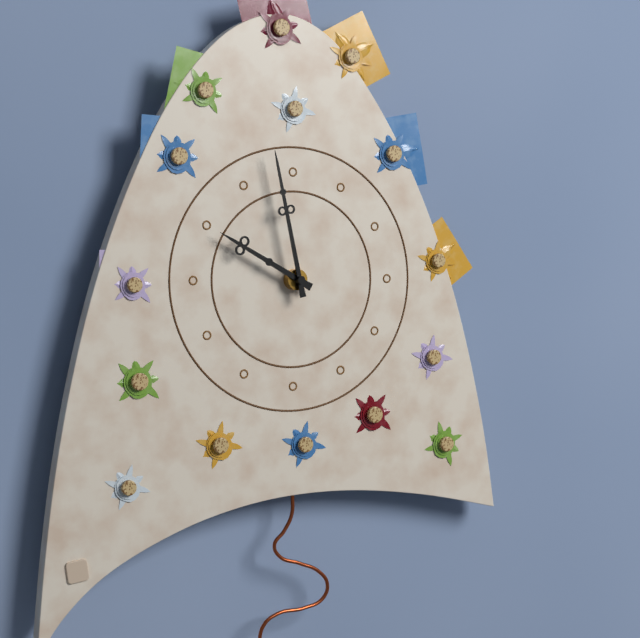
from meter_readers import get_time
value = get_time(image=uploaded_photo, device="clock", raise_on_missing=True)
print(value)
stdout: 9:58
